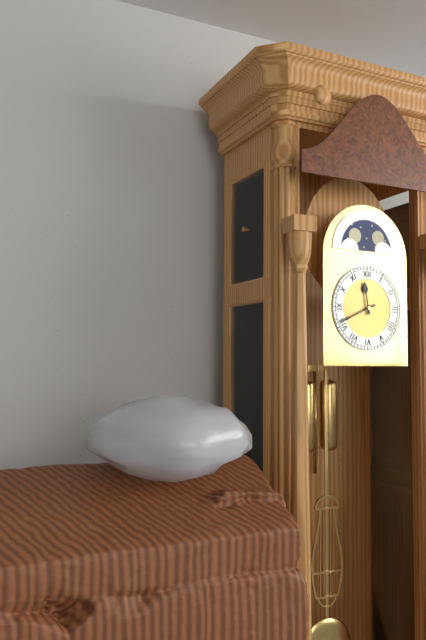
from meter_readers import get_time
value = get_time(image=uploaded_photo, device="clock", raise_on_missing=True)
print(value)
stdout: 11:41
